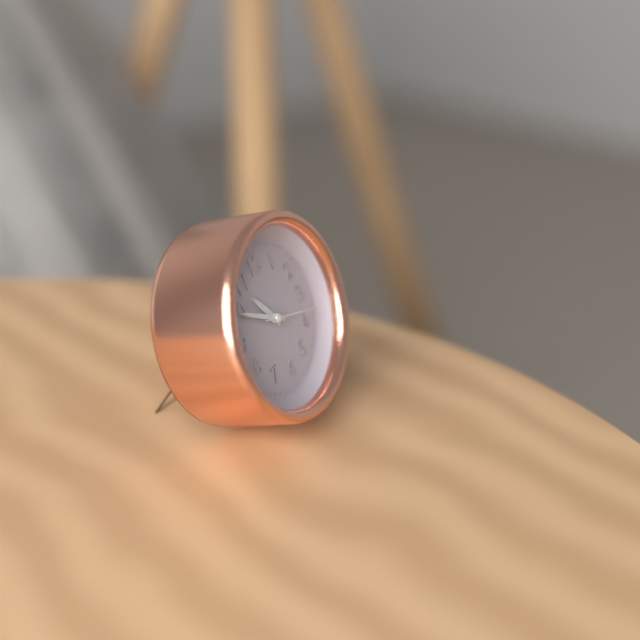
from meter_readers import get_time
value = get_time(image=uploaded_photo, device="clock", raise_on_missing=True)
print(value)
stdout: 10:50
